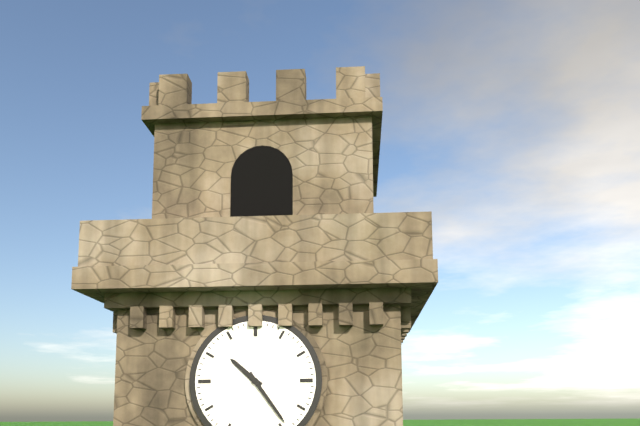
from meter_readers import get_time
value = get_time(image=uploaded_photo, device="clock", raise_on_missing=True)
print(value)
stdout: 10:24
